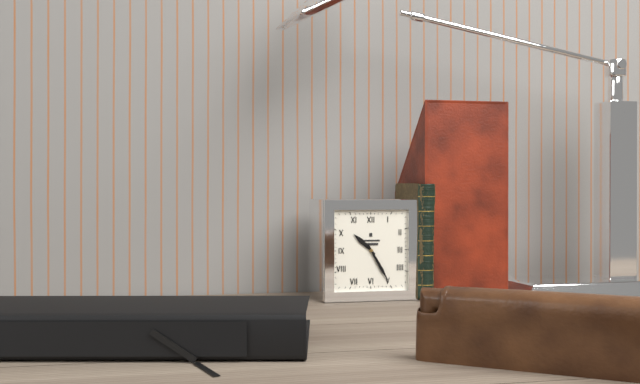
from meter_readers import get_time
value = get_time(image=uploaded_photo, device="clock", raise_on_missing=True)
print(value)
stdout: 10:25
